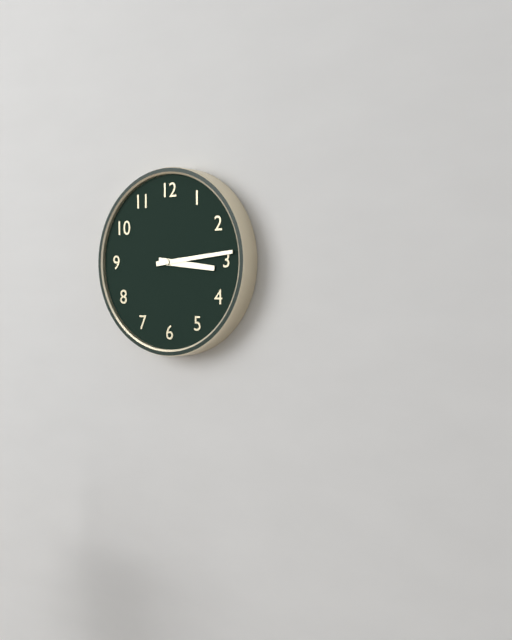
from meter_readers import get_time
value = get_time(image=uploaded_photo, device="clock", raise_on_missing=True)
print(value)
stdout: 3:14
